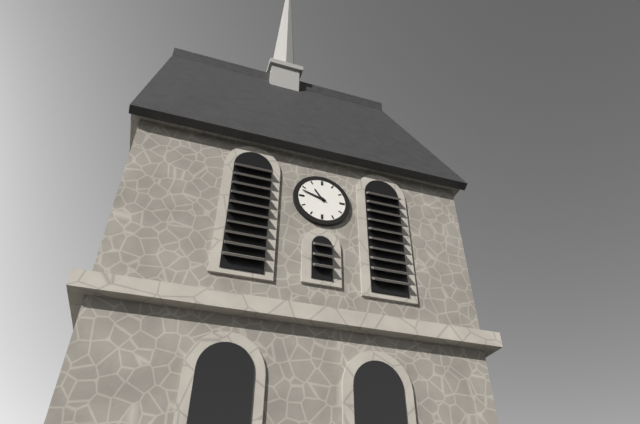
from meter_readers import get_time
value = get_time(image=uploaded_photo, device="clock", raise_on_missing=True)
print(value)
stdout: 10:48
